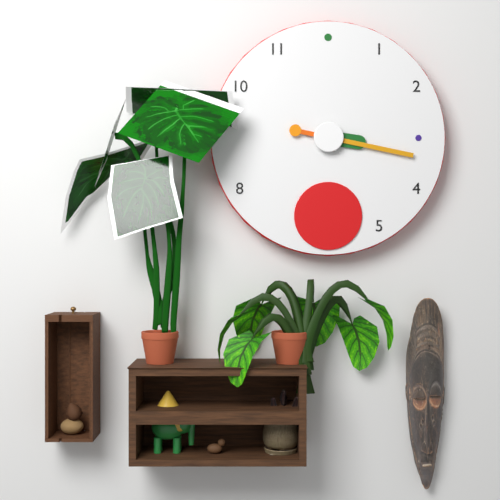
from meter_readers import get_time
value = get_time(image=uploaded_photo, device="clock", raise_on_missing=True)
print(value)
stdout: 3:17
